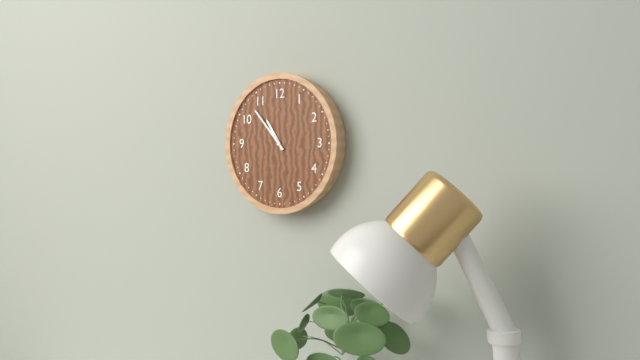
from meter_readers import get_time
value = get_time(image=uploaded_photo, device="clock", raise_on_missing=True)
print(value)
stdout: 10:53
